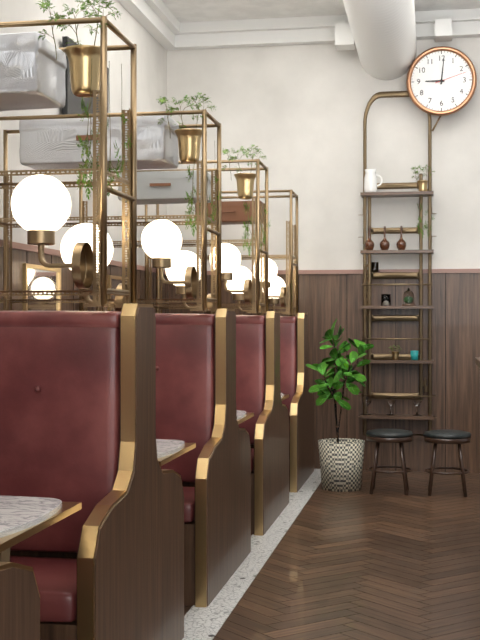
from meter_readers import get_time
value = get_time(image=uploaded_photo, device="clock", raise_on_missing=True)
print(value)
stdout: 9:01
